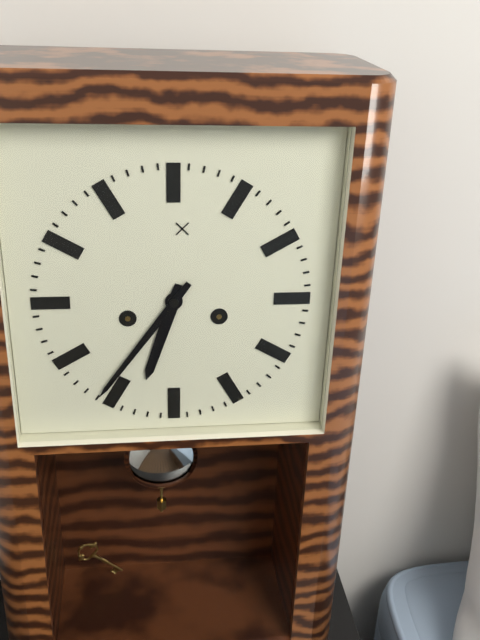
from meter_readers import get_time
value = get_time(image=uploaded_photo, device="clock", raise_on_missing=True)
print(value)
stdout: 6:36
